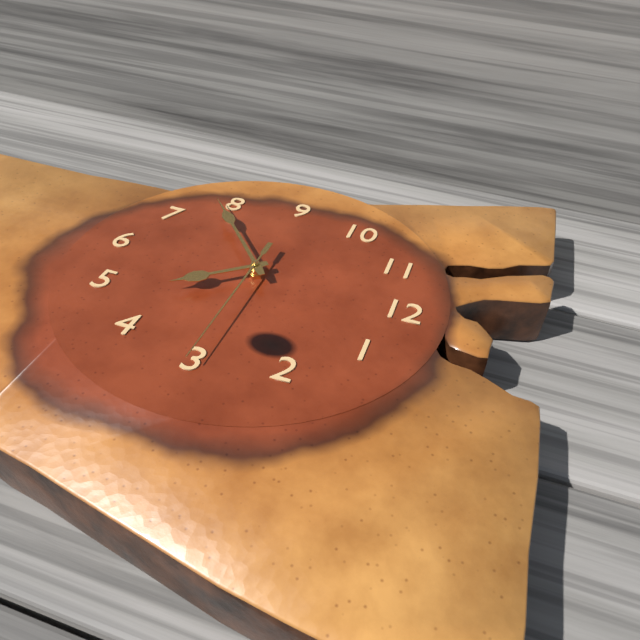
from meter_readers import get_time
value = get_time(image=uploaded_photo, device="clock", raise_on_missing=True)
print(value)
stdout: 4:38:15
